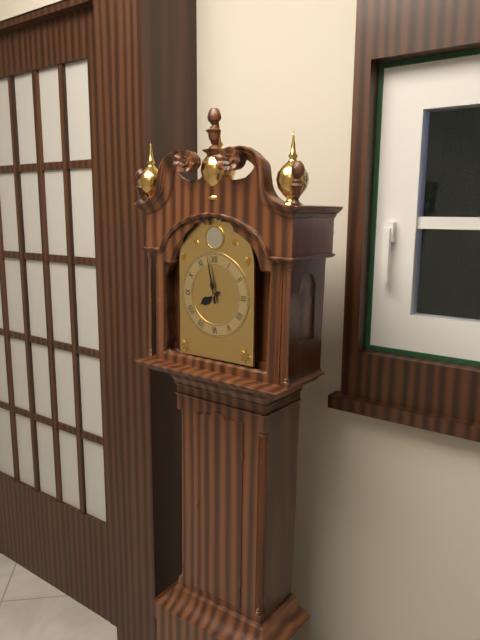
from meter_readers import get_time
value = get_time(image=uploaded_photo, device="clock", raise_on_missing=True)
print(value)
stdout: 7:58
